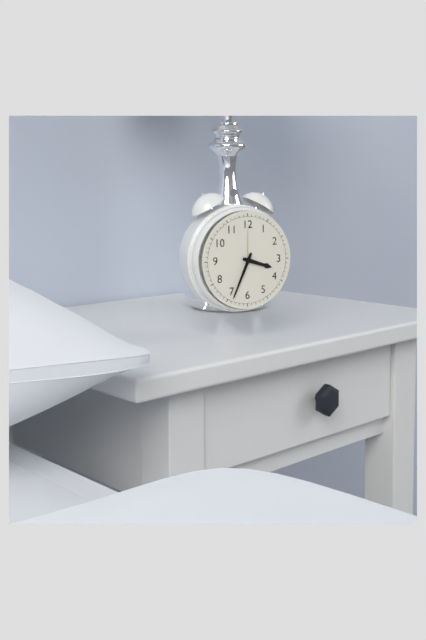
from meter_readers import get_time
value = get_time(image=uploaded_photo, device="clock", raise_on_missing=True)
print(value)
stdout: 3:34
